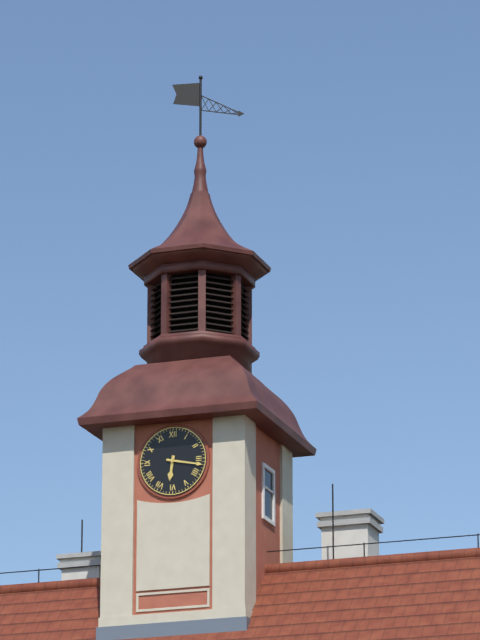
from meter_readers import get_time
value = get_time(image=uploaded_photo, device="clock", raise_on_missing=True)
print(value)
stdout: 6:17
